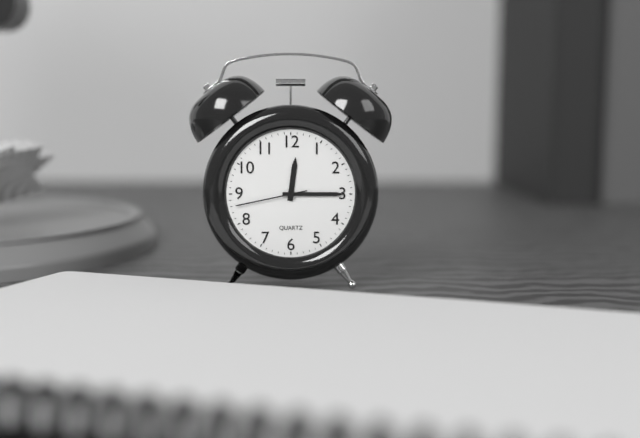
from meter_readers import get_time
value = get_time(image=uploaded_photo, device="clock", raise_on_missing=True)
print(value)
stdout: 12:15:43
